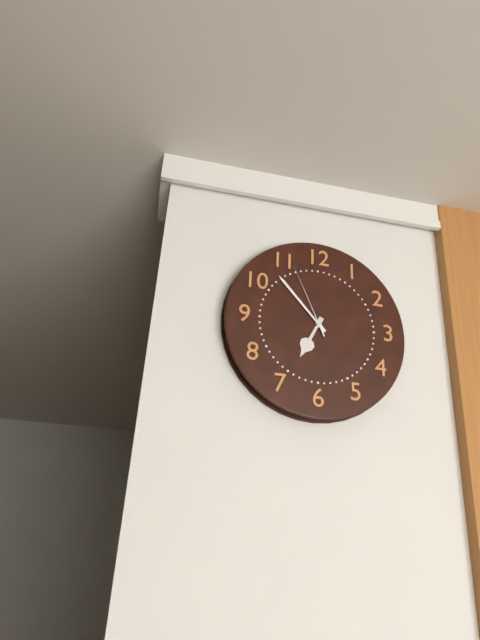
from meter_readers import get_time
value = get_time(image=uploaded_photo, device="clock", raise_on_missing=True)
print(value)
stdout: 6:53:56
